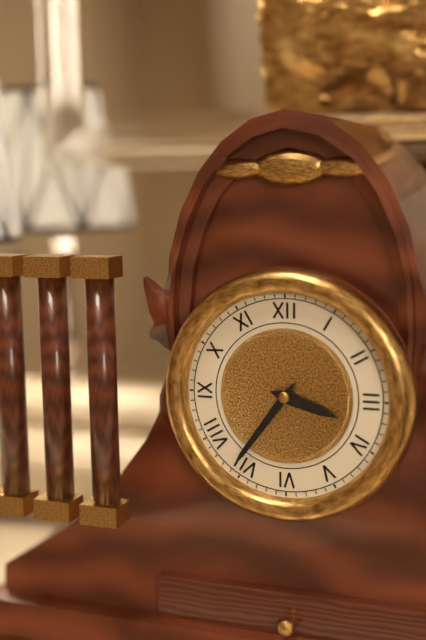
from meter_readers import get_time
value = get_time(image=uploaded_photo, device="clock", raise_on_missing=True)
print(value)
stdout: 3:36
